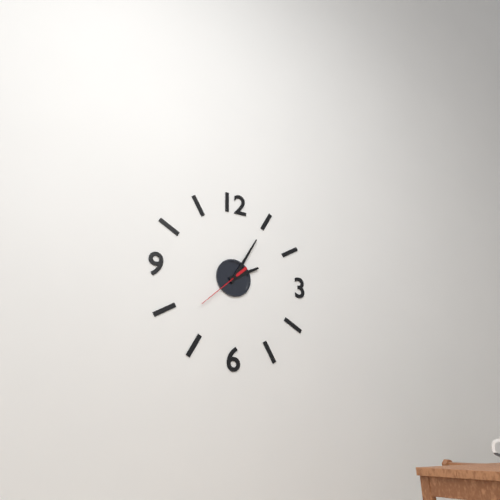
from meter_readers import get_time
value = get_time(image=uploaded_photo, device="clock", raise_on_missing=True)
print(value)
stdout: 2:05:38
